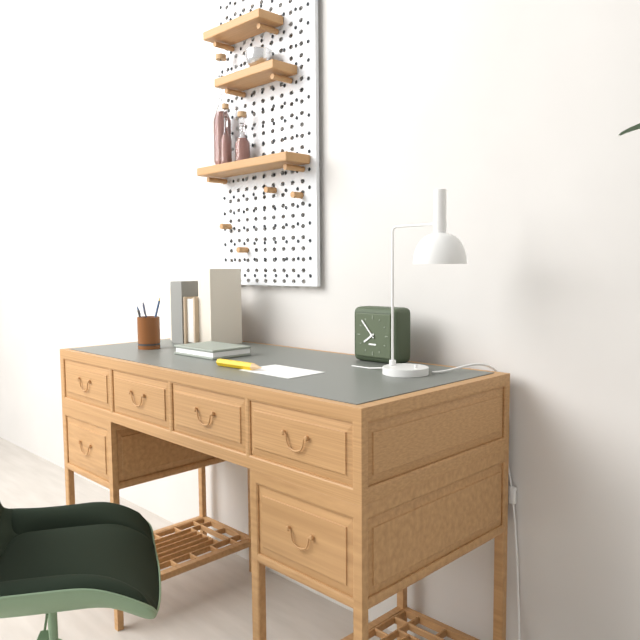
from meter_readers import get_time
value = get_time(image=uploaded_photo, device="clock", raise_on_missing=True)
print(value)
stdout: 7:53
